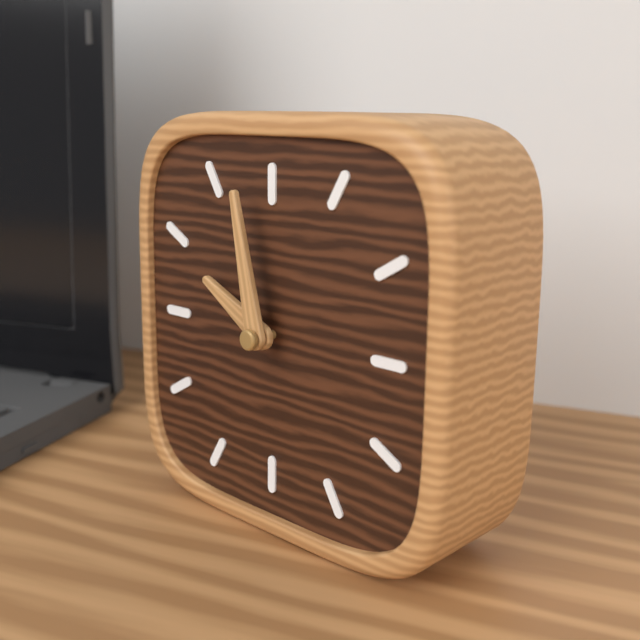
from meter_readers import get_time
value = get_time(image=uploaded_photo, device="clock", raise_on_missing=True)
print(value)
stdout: 9:58
